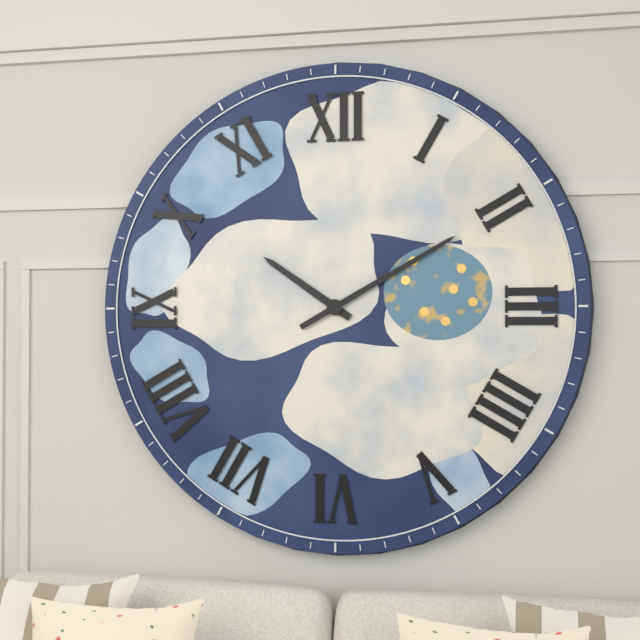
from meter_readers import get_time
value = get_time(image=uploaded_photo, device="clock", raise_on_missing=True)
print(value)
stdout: 10:10
